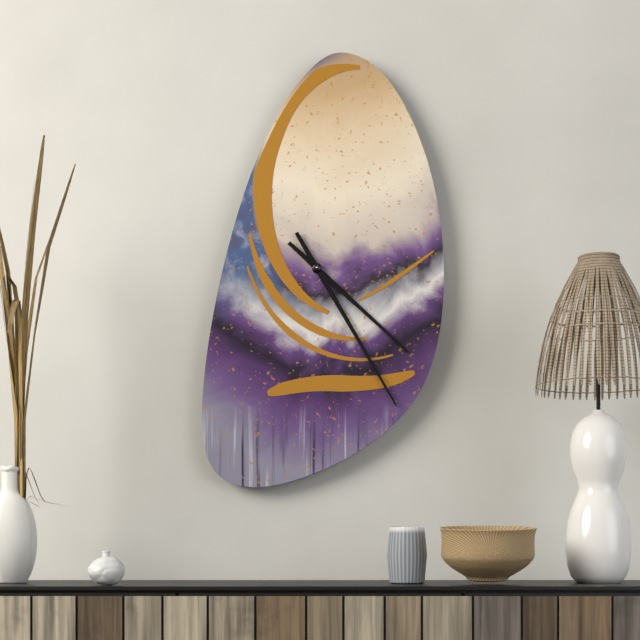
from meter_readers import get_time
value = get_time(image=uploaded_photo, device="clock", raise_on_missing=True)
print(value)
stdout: 4:25
